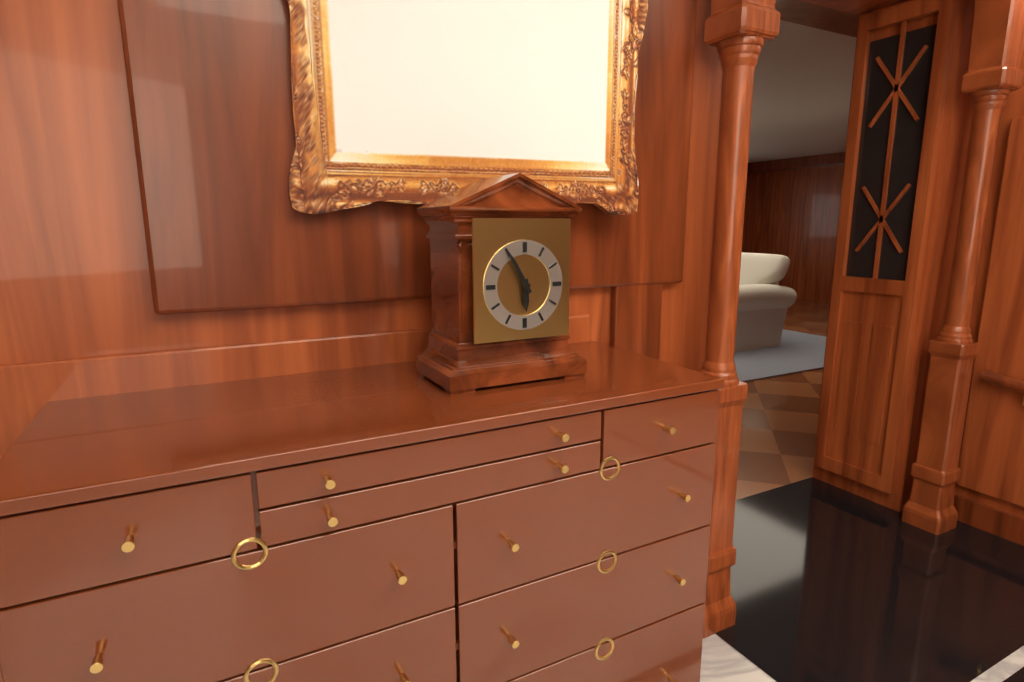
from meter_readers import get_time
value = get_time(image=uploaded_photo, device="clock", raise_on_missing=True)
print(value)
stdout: 5:55
